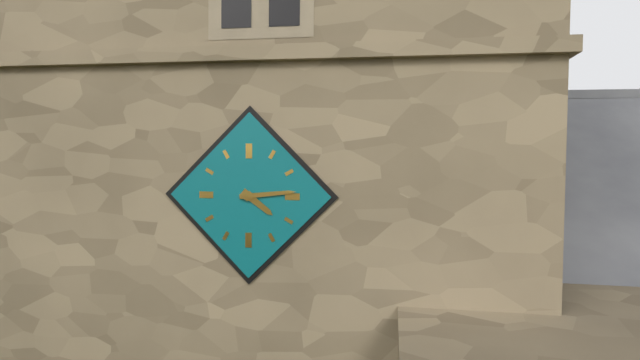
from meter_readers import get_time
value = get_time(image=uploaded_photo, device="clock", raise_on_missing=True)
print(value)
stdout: 4:14
